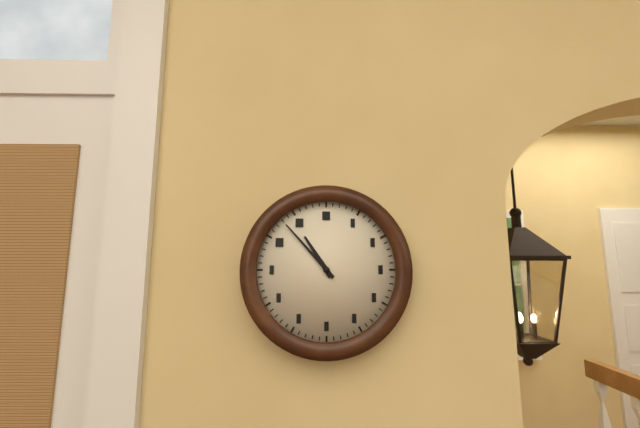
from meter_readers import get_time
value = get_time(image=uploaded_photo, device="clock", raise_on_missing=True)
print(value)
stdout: 10:53
